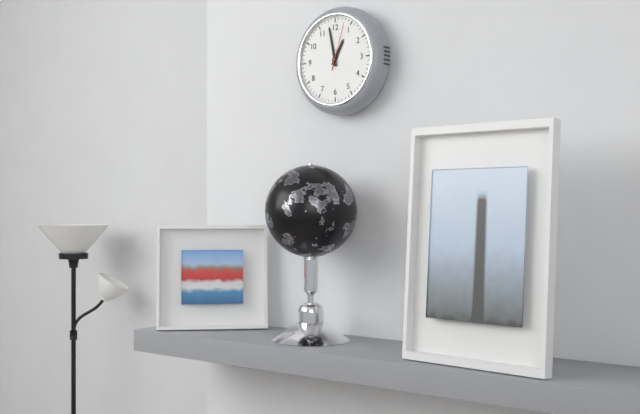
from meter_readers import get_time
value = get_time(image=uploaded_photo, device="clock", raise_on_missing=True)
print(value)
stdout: 12:58:03
